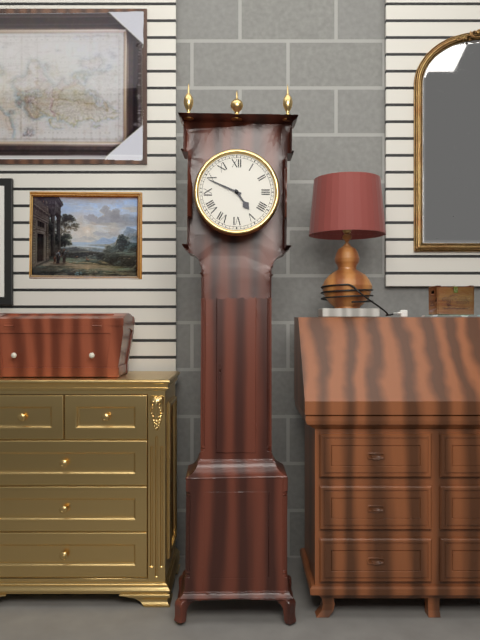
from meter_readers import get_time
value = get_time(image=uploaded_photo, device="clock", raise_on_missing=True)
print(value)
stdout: 4:49
